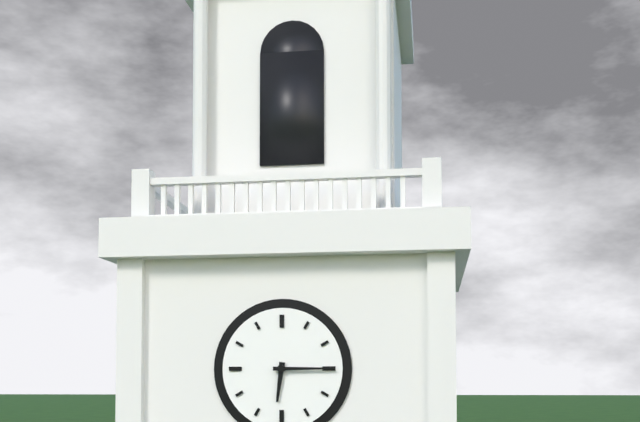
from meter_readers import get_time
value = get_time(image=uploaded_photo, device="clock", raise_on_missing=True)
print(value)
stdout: 6:15
